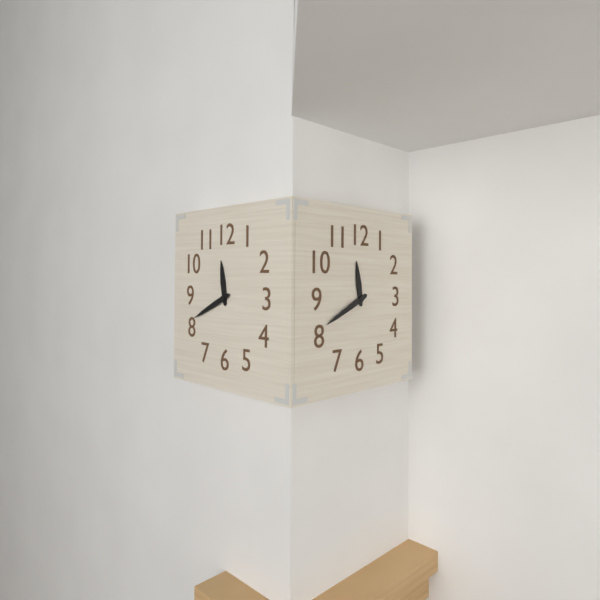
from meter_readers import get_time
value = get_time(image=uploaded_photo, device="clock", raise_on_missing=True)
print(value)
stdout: 11:41
